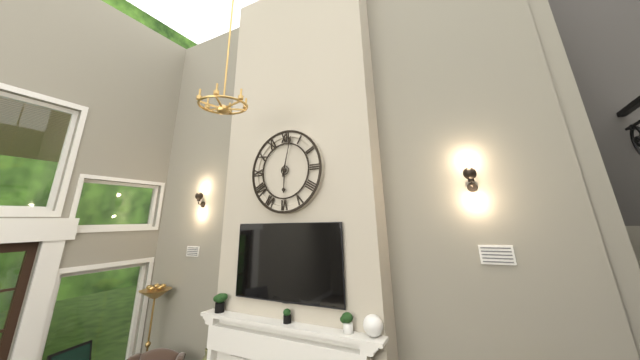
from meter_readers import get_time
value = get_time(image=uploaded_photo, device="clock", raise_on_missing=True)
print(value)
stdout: 6:02
